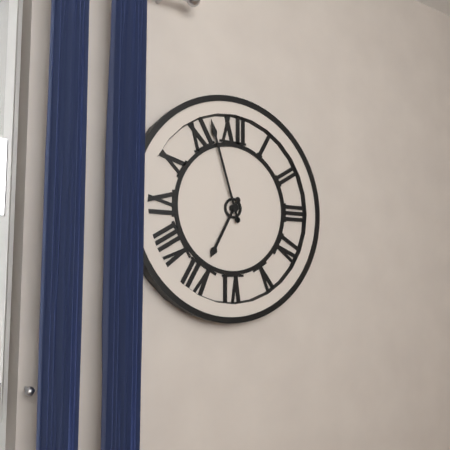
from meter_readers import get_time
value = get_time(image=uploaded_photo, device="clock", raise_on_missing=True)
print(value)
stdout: 6:57
